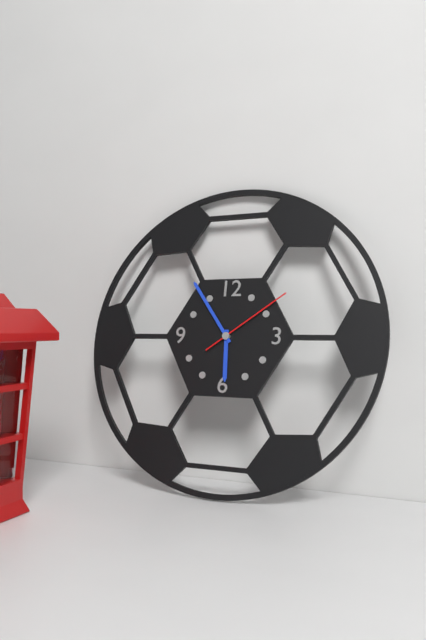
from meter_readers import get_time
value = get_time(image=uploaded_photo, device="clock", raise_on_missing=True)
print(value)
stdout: 5:54:09
